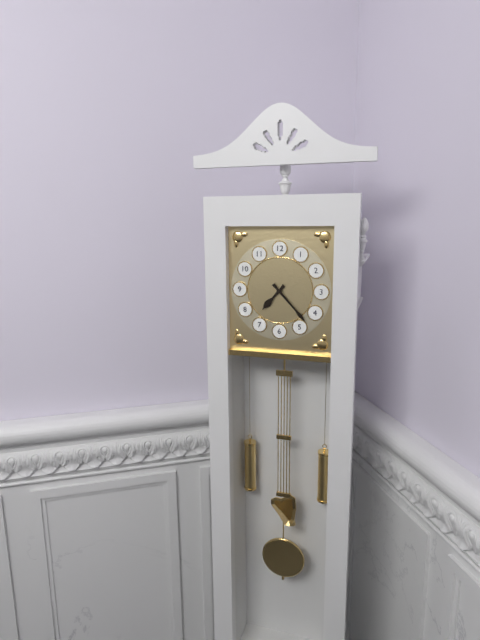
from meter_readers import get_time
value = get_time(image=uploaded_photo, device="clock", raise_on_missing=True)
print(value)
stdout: 7:23
